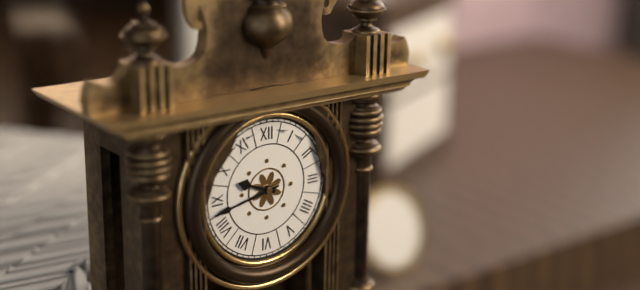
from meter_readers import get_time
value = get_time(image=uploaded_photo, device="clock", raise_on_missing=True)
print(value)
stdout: 9:43
